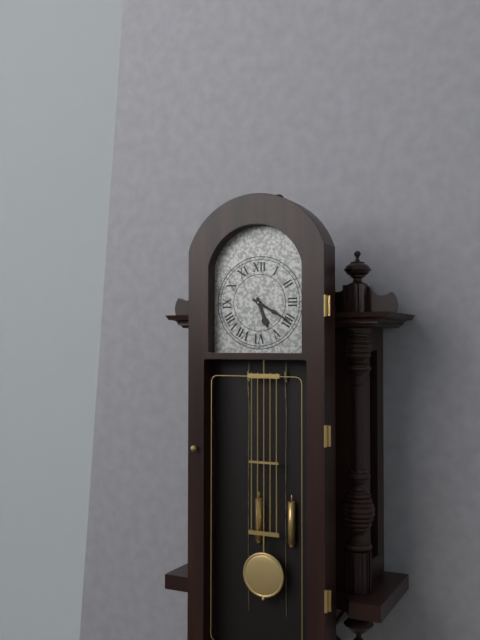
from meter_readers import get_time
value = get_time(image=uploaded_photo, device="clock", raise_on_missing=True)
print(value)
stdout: 5:20
